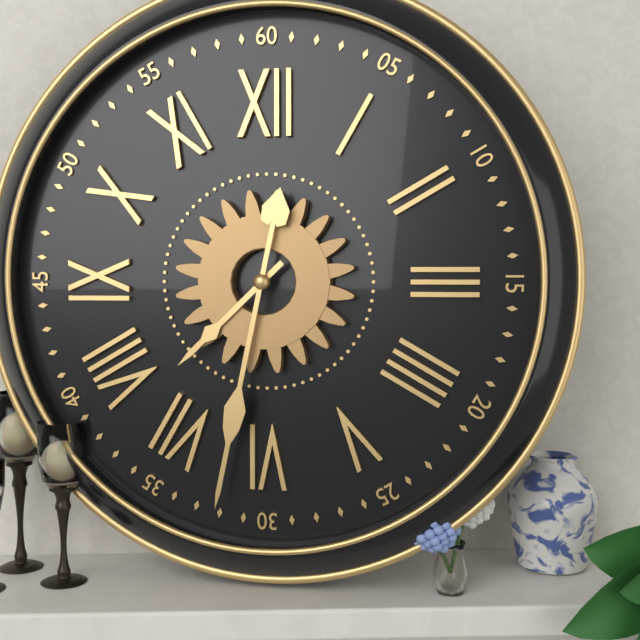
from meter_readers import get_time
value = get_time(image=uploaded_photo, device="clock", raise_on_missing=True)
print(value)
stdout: 7:32
